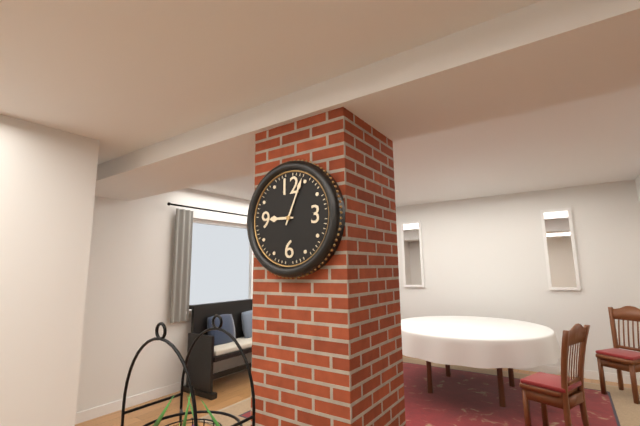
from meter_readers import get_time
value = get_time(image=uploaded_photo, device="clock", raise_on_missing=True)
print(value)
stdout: 9:04
